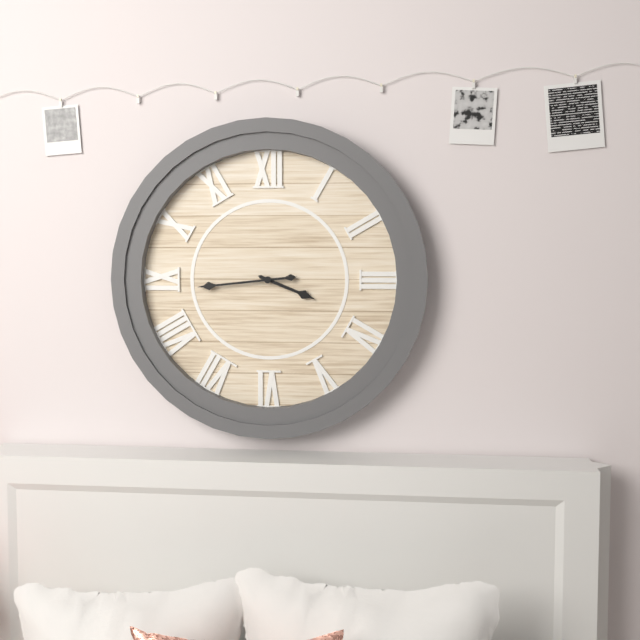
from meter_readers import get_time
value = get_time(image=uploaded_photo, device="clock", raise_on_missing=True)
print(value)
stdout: 3:44
